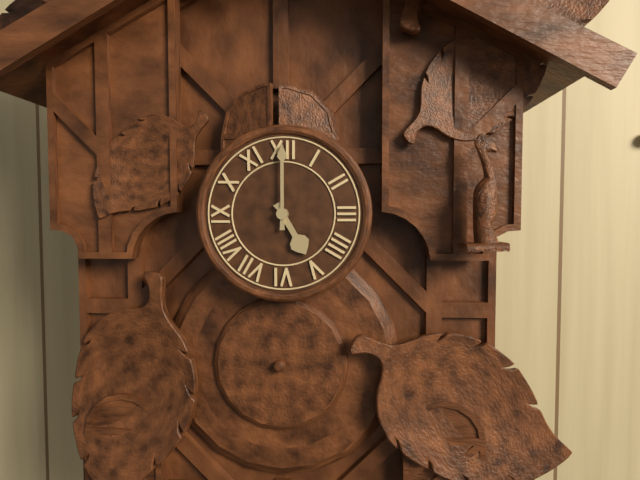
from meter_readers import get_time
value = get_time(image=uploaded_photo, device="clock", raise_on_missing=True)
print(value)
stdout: 5:00
